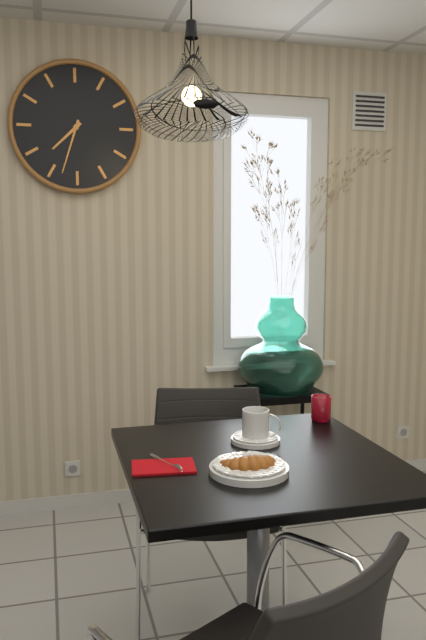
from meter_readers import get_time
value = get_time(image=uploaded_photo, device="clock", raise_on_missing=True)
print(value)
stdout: 7:33
